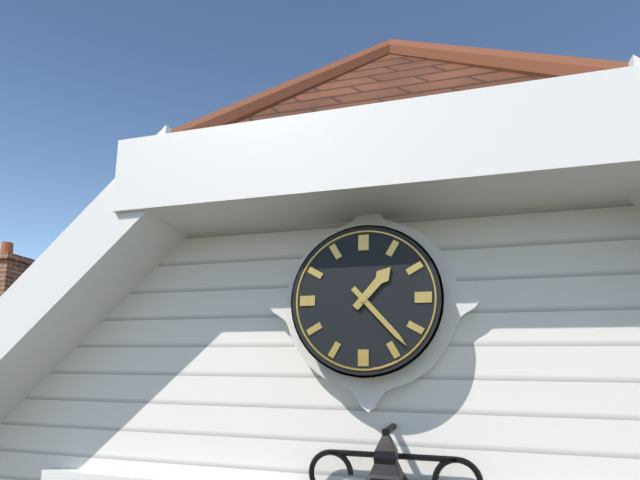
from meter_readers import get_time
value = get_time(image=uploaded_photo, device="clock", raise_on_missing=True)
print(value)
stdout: 1:23
